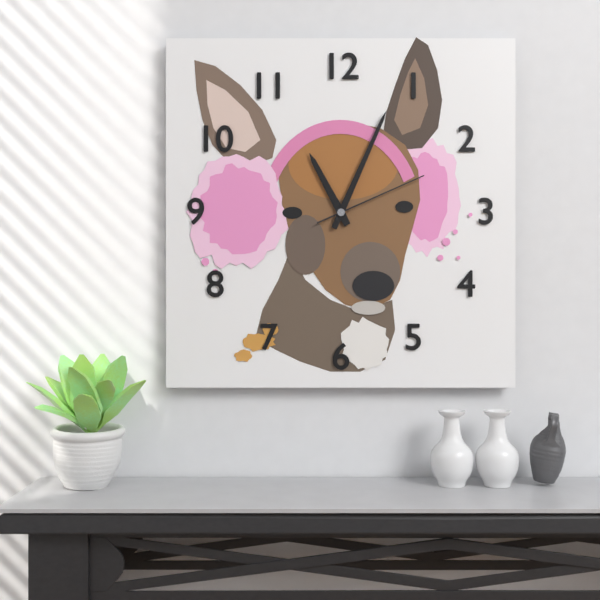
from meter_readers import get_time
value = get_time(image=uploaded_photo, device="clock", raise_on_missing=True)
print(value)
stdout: 11:04:11
